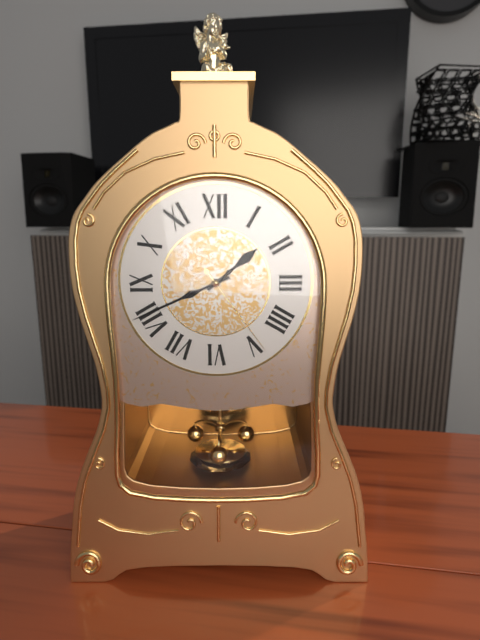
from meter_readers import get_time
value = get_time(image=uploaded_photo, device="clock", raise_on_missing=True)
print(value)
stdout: 1:41:24
